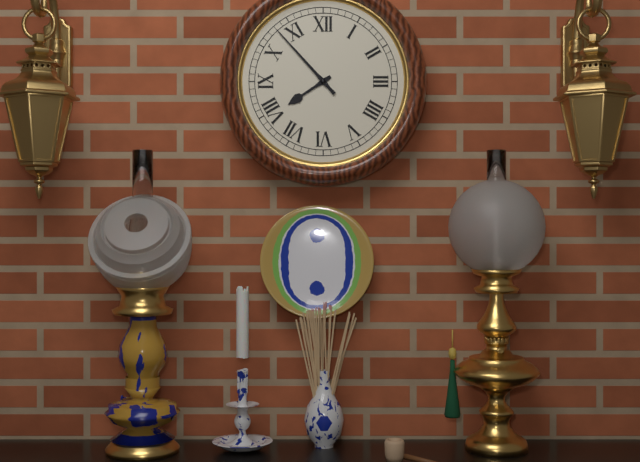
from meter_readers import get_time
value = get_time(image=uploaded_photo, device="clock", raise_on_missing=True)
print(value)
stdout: 7:53
